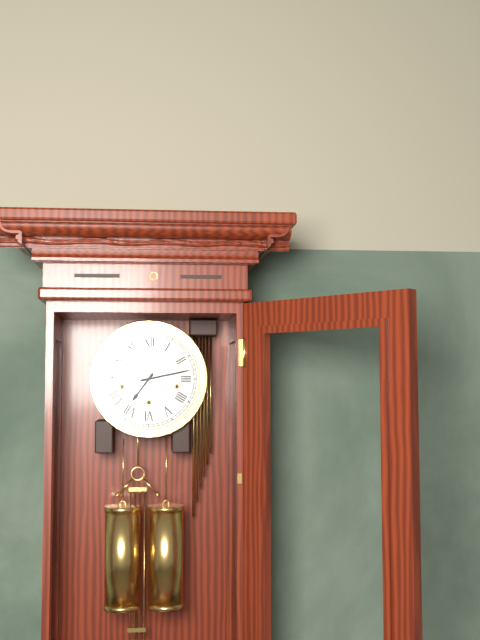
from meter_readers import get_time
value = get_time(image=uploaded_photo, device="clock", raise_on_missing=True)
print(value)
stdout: 7:13
